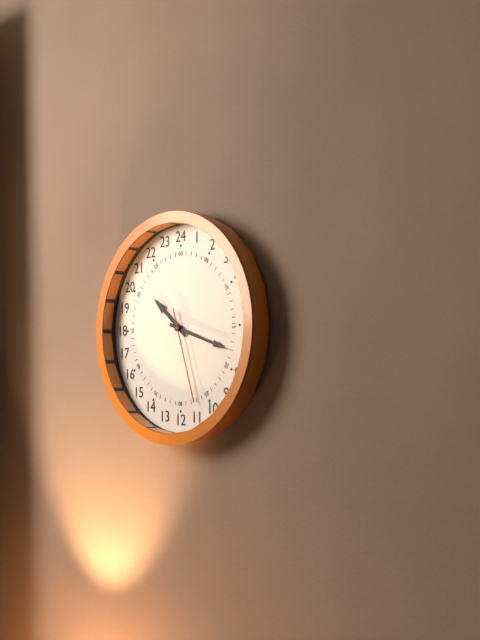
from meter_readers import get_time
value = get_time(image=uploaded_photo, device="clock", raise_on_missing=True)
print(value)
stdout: 10:18:27
